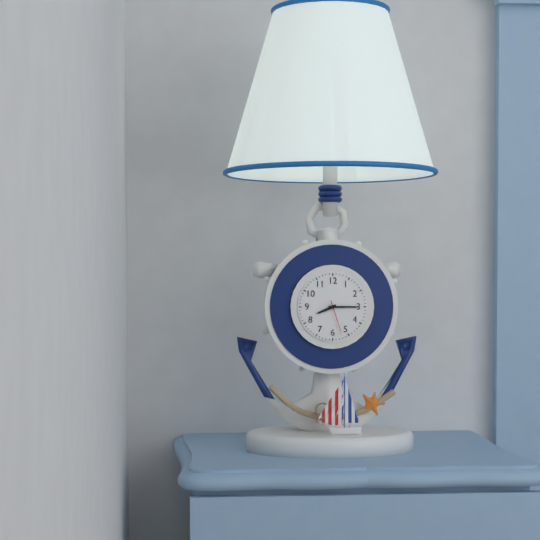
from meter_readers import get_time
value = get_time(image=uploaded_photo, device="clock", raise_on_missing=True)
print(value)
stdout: 8:15
